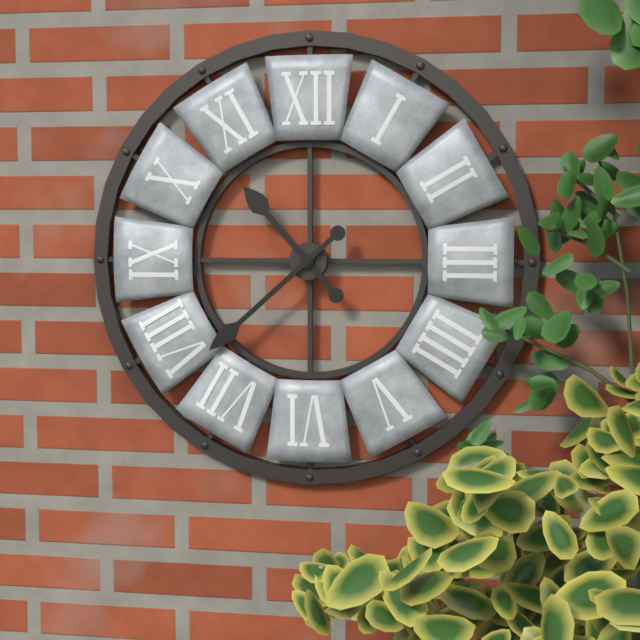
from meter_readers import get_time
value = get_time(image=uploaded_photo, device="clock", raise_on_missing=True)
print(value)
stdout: 10:38
